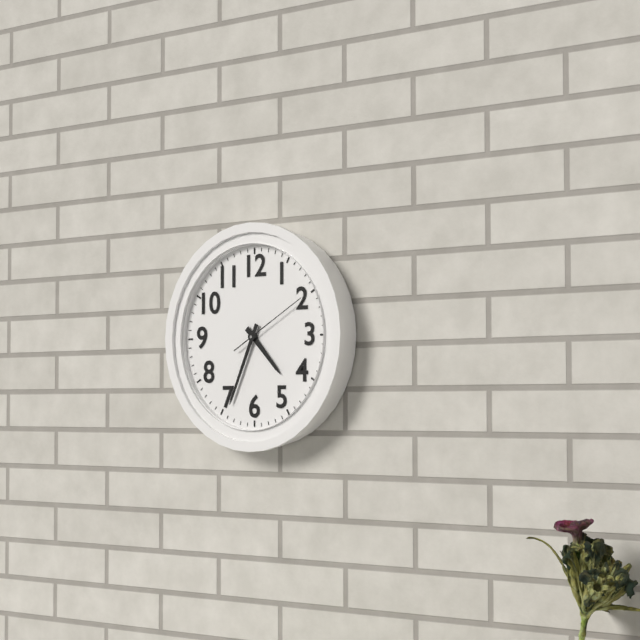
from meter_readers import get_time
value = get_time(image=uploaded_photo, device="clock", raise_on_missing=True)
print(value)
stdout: 4:34:10
